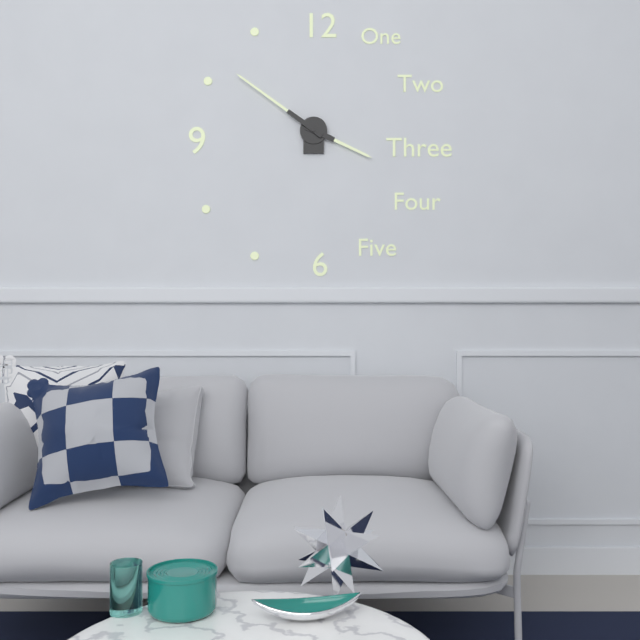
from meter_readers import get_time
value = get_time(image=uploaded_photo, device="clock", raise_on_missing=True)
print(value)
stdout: 3:51
